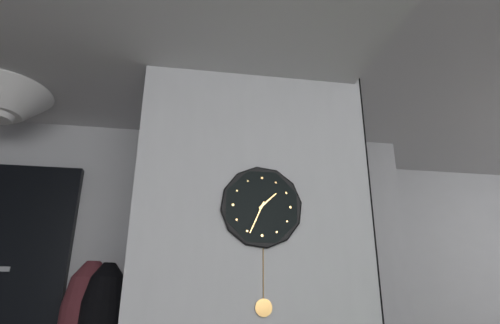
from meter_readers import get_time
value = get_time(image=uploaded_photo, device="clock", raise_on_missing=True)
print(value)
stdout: 1:34
